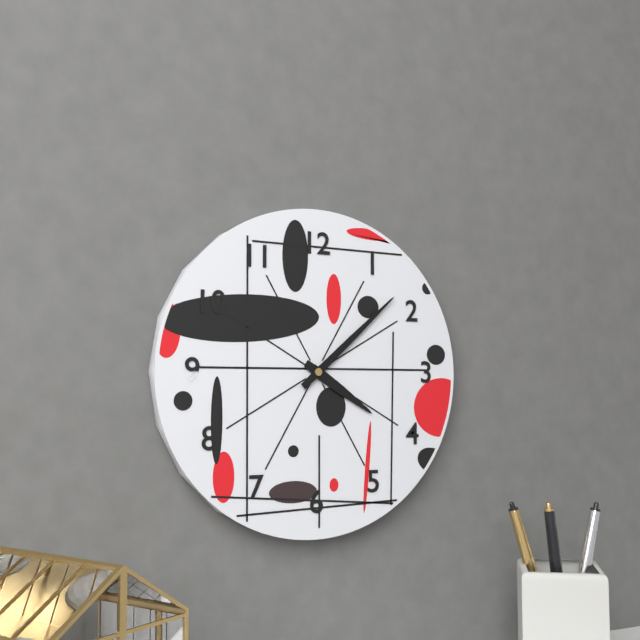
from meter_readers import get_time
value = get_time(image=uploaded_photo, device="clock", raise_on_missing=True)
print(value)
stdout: 4:08
